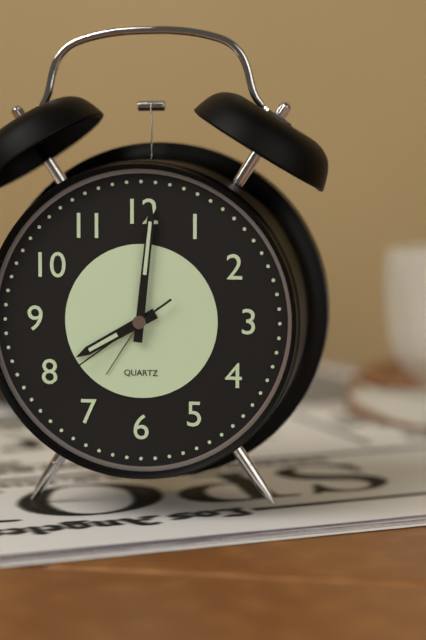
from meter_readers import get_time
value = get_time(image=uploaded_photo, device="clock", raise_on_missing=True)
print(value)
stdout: 8:01:39
